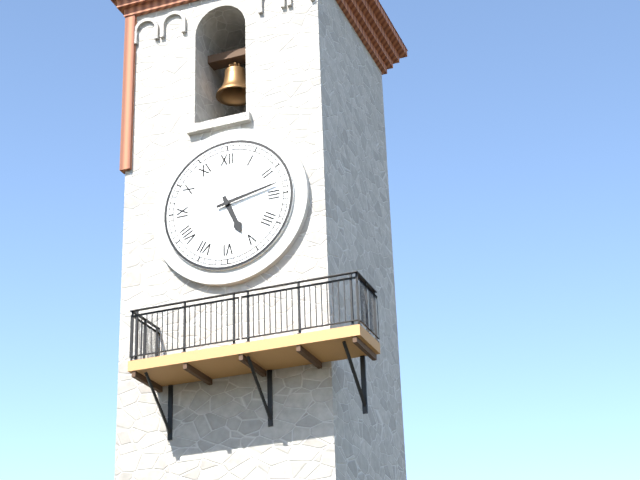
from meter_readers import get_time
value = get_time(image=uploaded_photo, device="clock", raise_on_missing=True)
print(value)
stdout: 5:13
